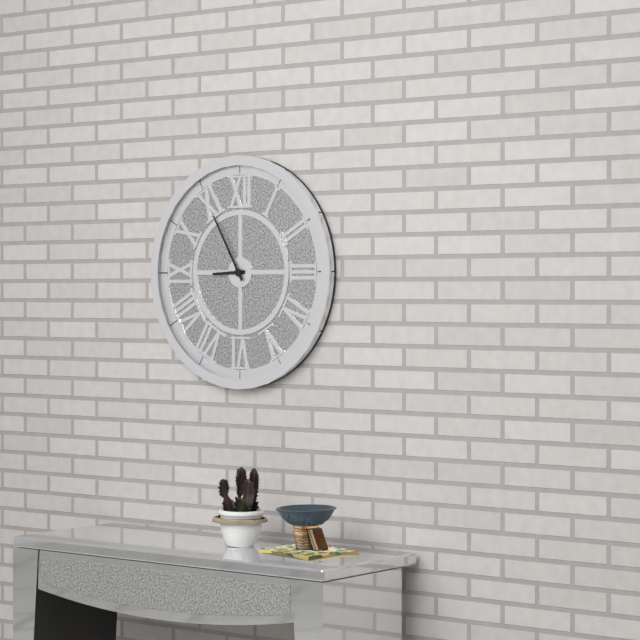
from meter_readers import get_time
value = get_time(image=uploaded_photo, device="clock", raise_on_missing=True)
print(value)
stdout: 8:55
